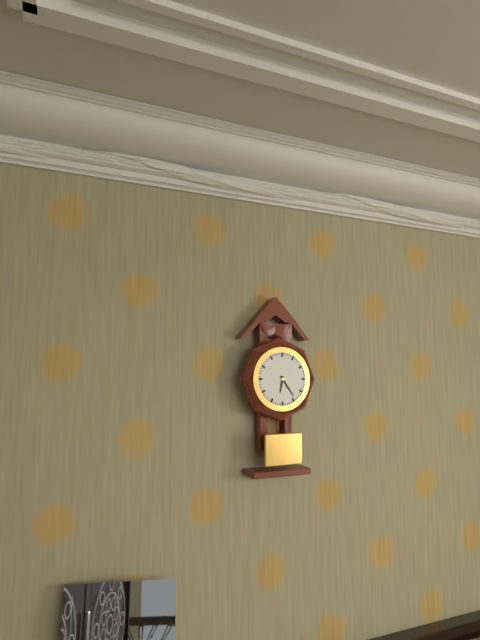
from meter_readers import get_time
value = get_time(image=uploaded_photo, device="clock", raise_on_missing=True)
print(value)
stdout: 6:24
